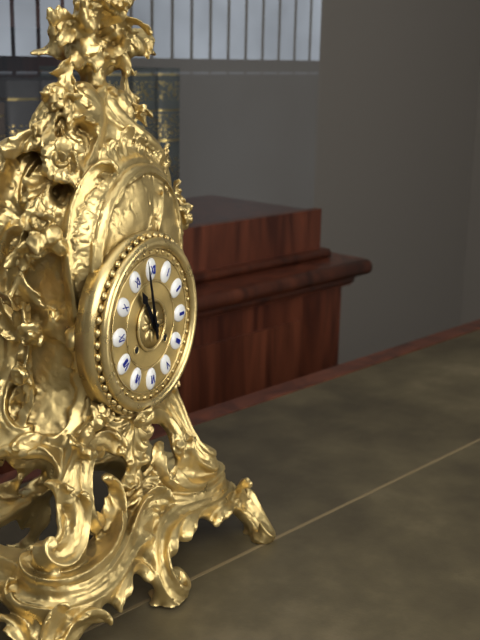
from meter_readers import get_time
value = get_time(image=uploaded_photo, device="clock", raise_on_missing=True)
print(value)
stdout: 10:58
